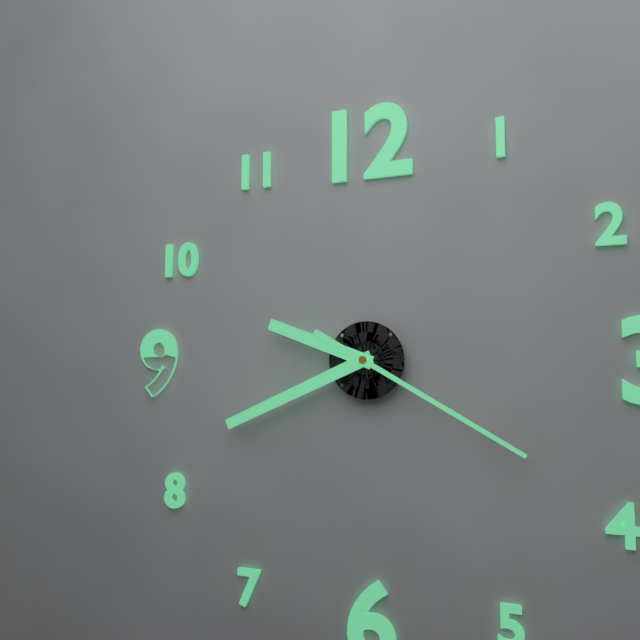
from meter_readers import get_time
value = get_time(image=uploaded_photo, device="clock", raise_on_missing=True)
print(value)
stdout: 9:41:20
